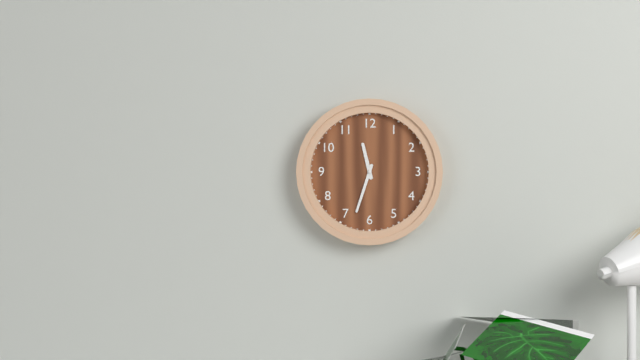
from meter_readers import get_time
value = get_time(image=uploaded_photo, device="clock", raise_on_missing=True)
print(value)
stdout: 11:33
